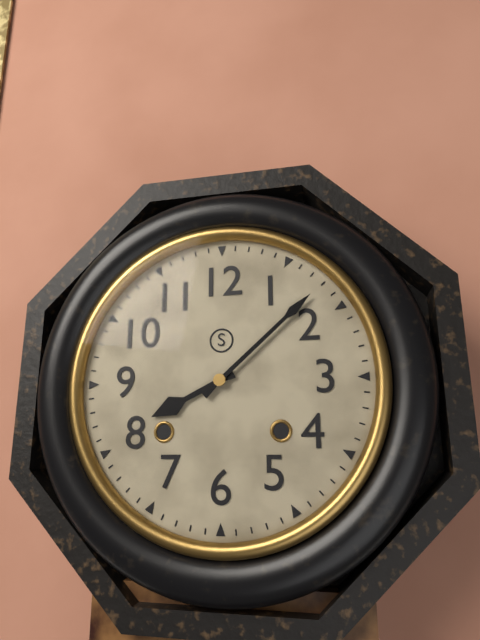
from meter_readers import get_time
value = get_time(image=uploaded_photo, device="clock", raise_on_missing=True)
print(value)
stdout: 8:08
